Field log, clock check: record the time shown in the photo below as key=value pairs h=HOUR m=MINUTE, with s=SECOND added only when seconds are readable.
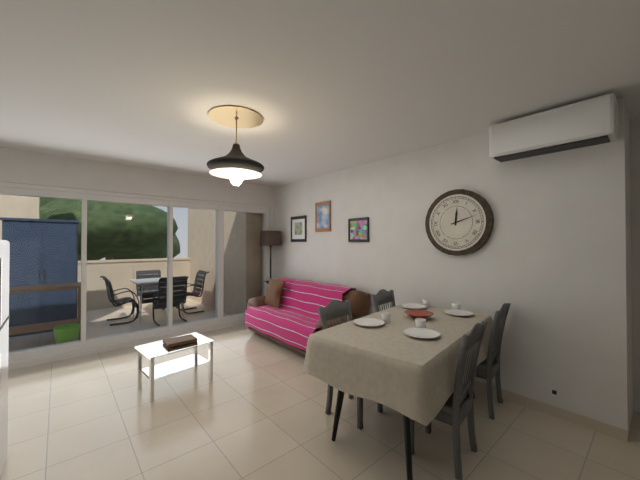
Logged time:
h=12 m=12
